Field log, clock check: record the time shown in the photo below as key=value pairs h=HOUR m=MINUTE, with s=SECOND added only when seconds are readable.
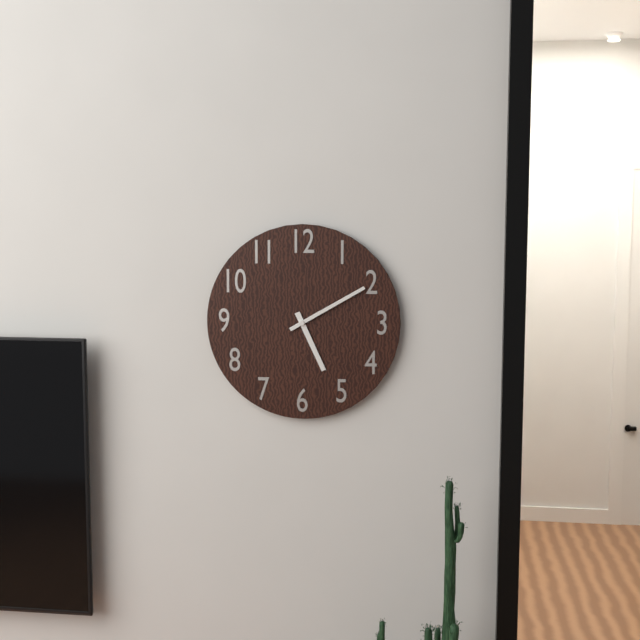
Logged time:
h=5 m=10
